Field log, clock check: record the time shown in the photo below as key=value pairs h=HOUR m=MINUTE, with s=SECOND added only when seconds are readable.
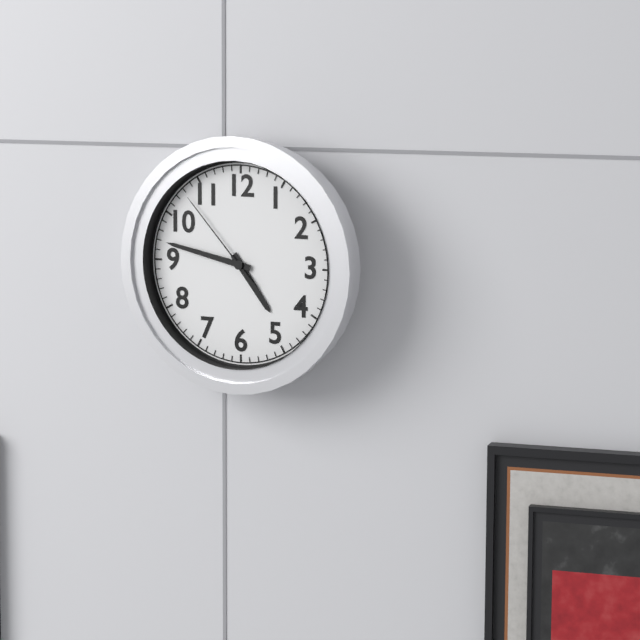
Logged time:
h=4 m=47 s=53
